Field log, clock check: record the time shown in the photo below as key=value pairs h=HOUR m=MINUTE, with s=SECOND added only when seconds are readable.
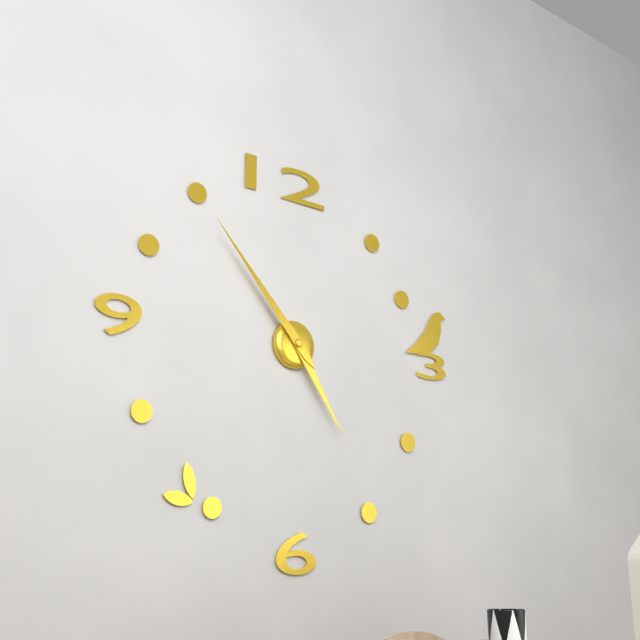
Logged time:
h=4 m=53
